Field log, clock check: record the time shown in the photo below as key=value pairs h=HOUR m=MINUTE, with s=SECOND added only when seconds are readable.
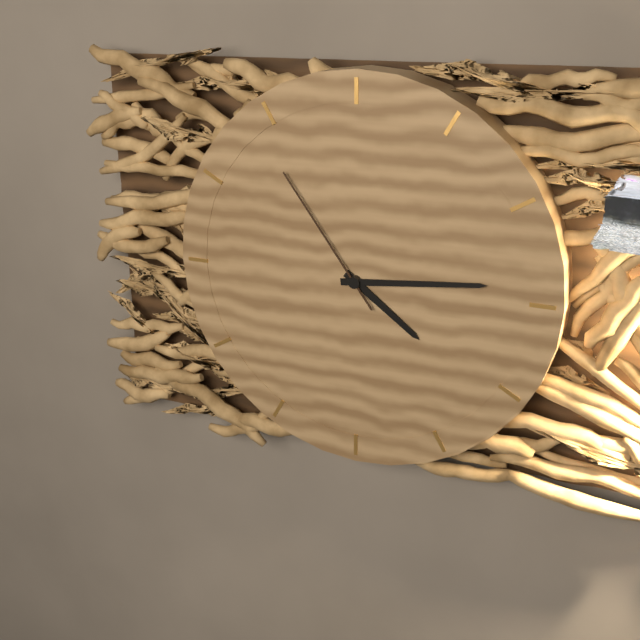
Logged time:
h=4 m=14 s=54
